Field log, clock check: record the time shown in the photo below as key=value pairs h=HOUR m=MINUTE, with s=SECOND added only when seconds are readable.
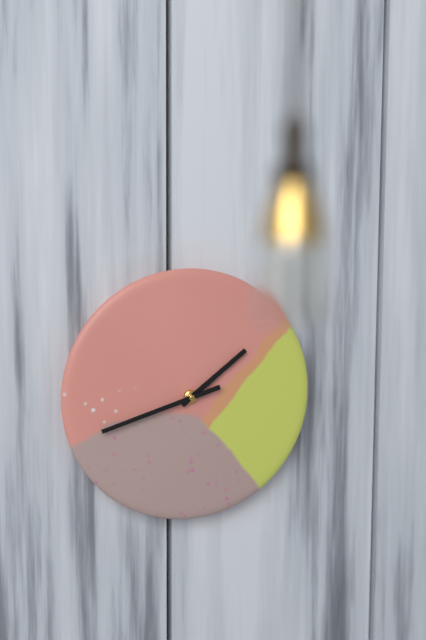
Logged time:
h=1 m=42
